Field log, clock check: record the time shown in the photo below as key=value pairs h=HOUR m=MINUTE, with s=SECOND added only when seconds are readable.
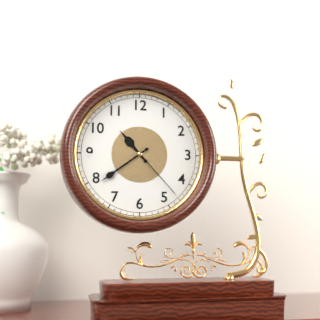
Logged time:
h=10 m=39 s=23
